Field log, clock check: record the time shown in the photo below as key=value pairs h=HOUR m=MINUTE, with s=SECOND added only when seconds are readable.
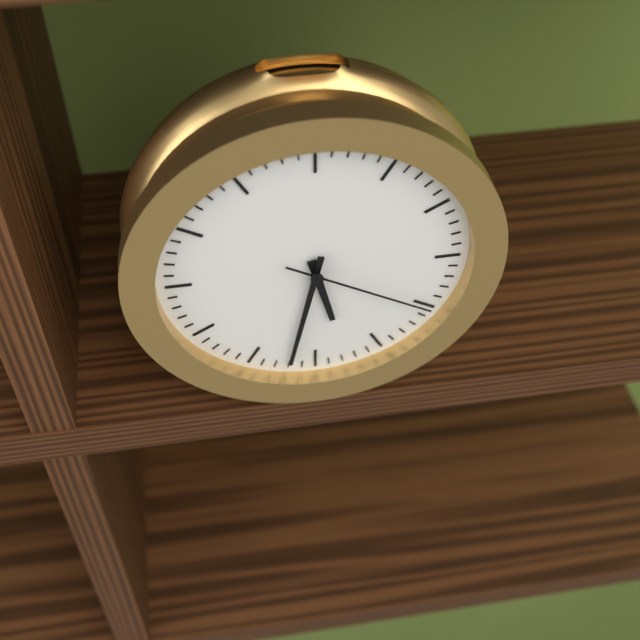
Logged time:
h=5 m=32 s=20
